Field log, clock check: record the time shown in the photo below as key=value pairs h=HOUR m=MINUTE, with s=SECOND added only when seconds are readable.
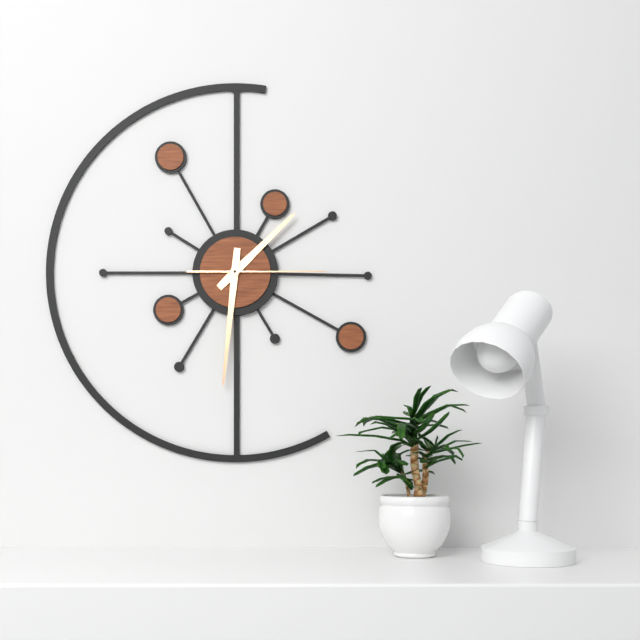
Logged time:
h=1 m=31 s=15
